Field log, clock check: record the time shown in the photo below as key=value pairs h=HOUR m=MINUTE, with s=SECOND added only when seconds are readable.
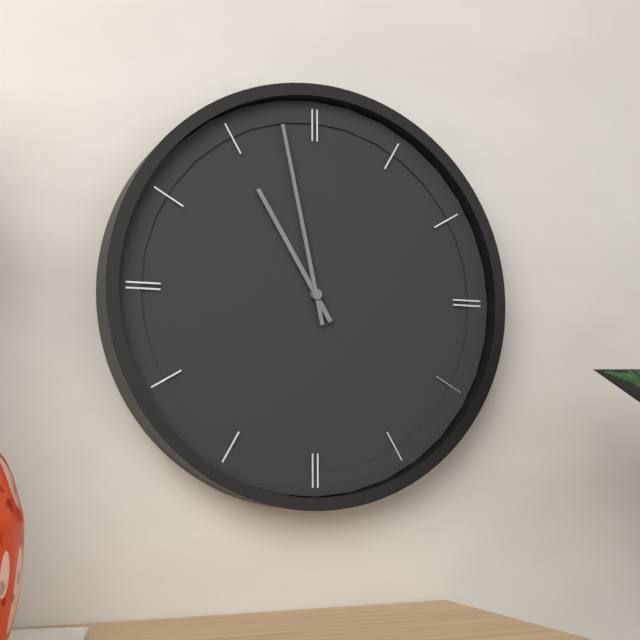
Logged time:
h=10 m=58
